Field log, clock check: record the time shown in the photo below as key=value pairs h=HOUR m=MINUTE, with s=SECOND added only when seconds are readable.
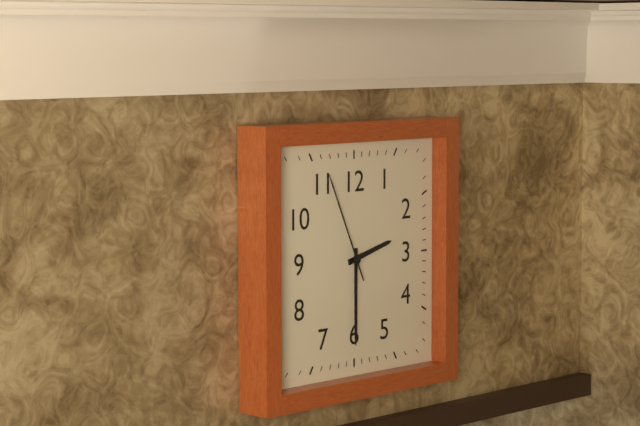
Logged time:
h=2 m=30 s=56
